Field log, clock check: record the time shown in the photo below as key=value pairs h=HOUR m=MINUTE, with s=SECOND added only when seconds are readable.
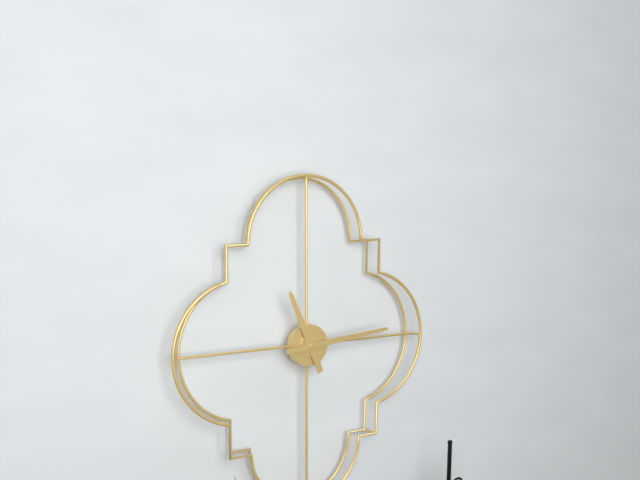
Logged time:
h=11 m=14
